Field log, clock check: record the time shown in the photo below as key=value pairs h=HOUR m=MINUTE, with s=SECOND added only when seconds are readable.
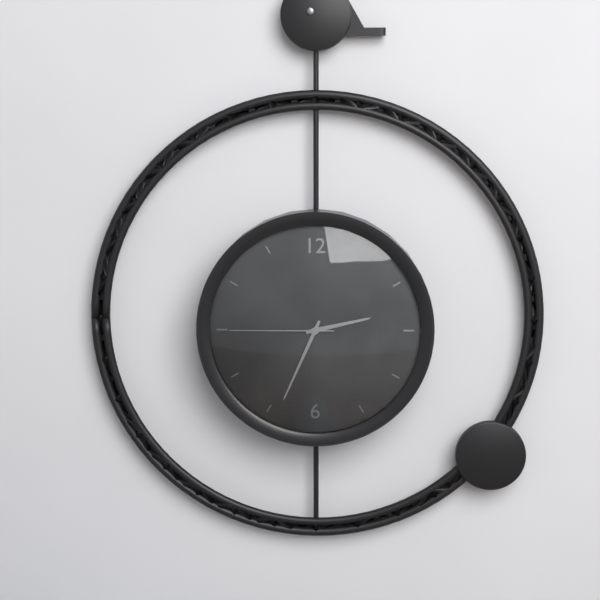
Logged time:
h=2 m=34 s=45
